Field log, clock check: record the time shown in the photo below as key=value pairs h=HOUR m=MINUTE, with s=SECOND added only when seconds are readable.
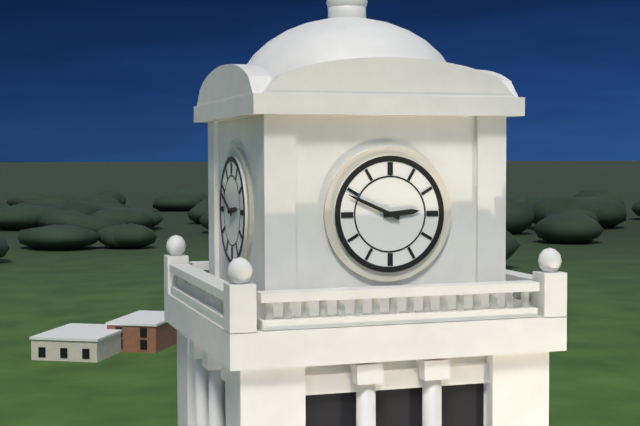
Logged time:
h=2 m=49
